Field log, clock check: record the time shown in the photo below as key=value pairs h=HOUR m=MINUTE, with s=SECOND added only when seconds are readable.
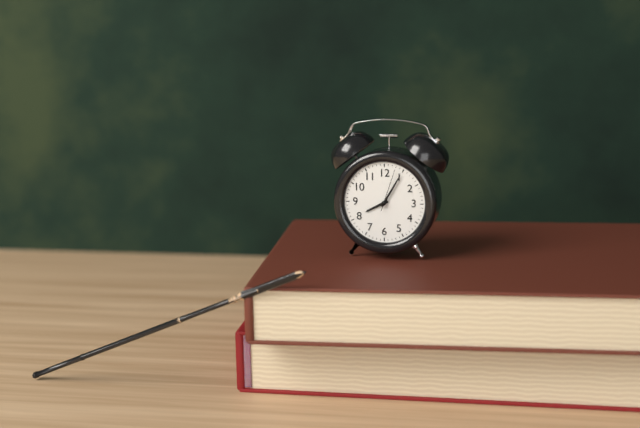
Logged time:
h=8 m=5
